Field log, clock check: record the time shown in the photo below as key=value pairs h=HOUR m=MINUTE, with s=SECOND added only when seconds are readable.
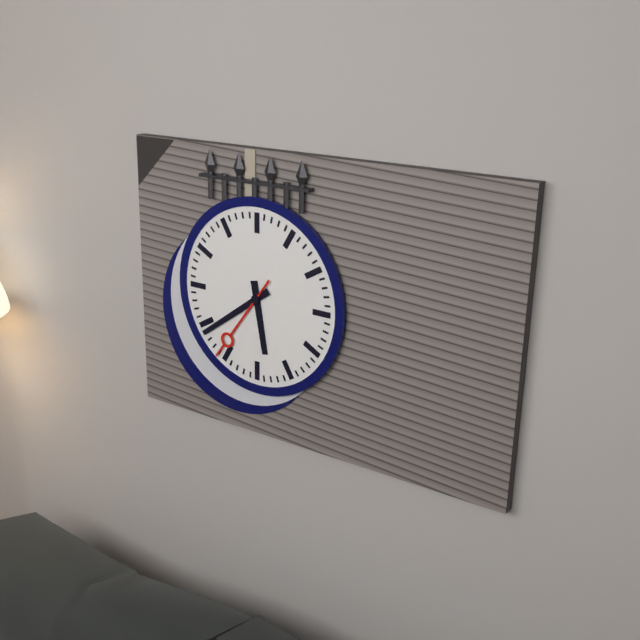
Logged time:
h=5 m=39 s=36
